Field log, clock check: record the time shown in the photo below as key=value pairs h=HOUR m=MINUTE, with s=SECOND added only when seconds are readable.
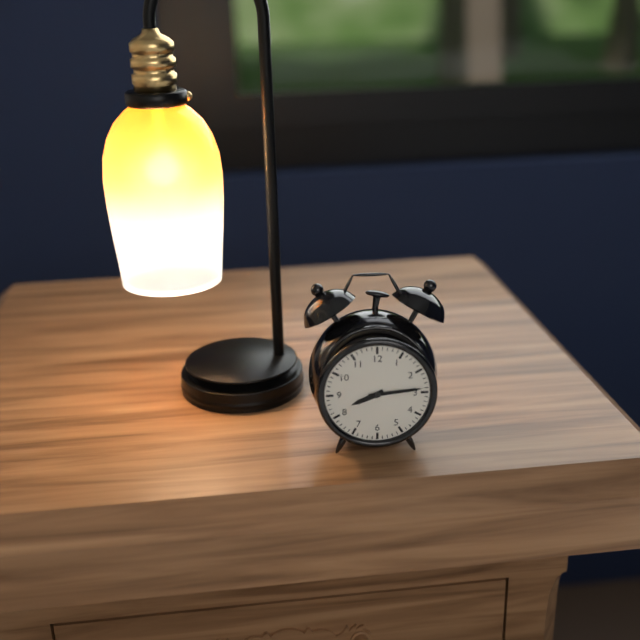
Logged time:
h=8 m=14
